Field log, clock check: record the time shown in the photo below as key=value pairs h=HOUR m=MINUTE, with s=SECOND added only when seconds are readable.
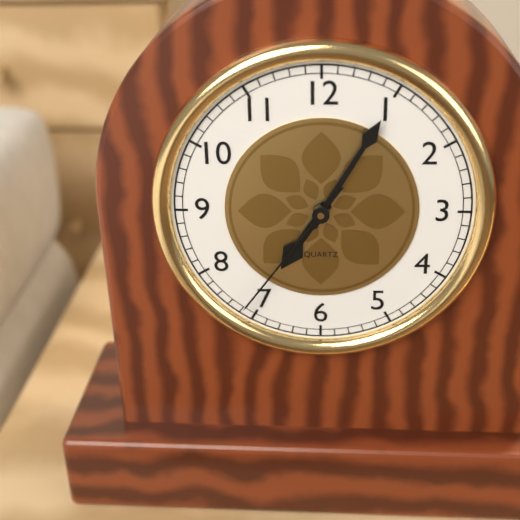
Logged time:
h=7 m=5 s=36
